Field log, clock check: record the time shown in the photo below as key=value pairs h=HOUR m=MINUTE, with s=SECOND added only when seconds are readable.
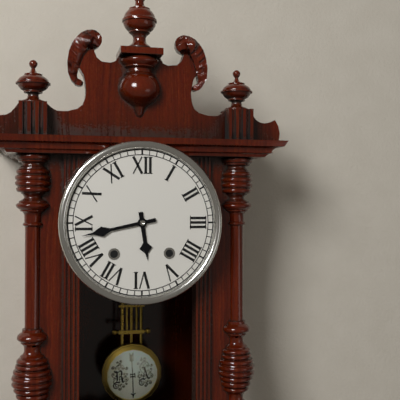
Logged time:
h=5 m=43
